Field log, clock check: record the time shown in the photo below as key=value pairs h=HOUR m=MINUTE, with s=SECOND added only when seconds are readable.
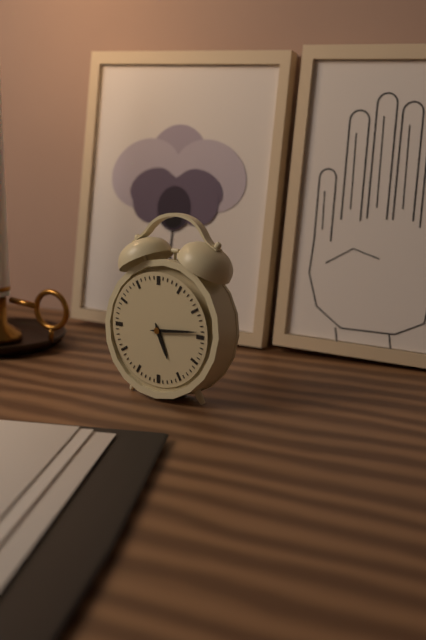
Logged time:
h=5 m=14
